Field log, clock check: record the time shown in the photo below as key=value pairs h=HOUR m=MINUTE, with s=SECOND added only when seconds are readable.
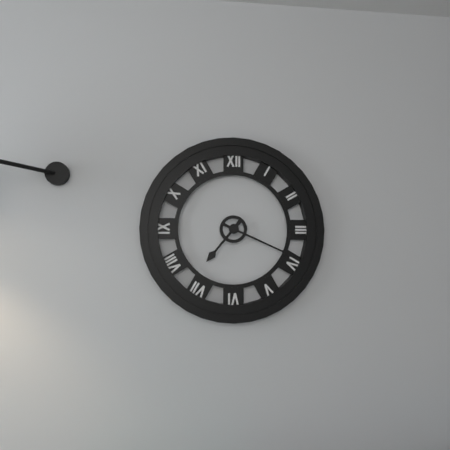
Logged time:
h=7 m=19
